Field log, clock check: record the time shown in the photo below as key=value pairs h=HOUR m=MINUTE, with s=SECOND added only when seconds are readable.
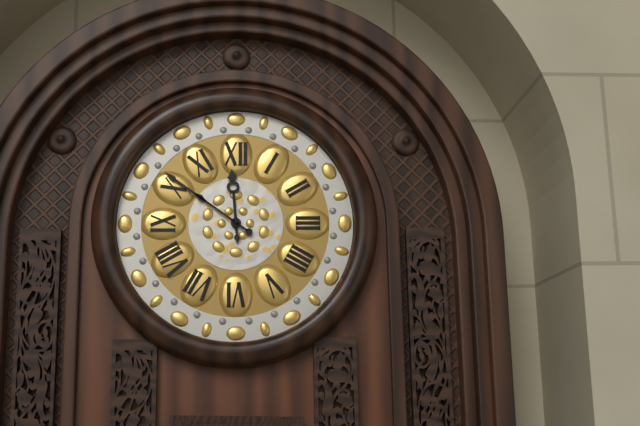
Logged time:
h=11 m=51
